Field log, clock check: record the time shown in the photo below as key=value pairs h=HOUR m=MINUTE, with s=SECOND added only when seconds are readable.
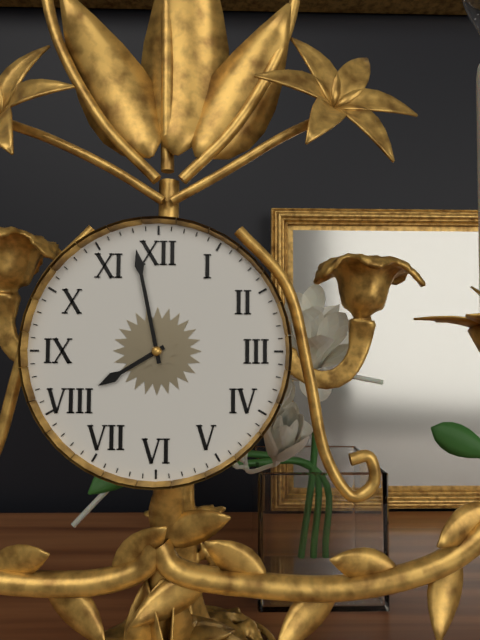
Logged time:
h=7 m=58
